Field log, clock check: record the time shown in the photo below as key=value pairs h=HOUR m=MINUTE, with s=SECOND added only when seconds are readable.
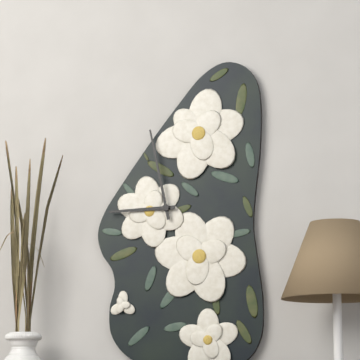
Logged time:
h=8 m=58
